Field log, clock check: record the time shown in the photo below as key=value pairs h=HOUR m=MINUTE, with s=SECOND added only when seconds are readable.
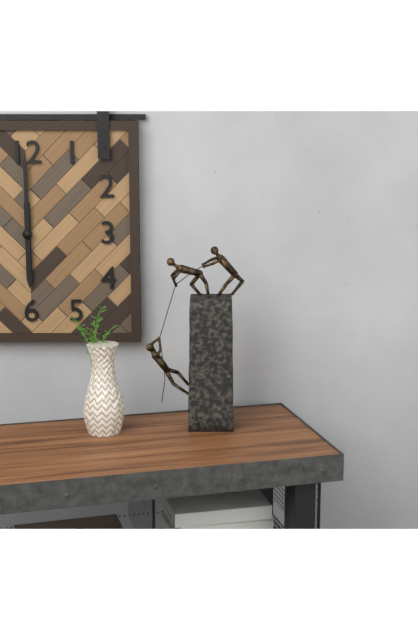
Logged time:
h=6 m=0
